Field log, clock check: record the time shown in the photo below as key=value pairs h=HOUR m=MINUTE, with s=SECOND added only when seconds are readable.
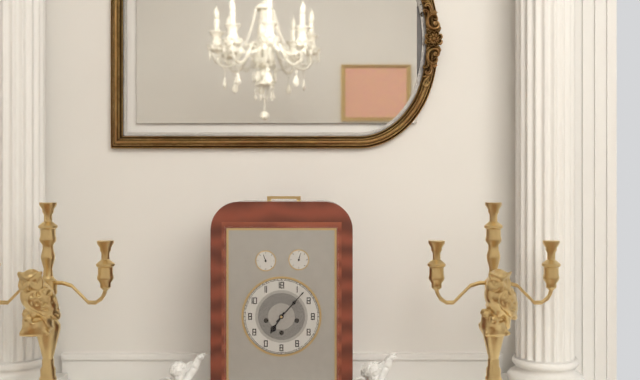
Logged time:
h=7 m=7
